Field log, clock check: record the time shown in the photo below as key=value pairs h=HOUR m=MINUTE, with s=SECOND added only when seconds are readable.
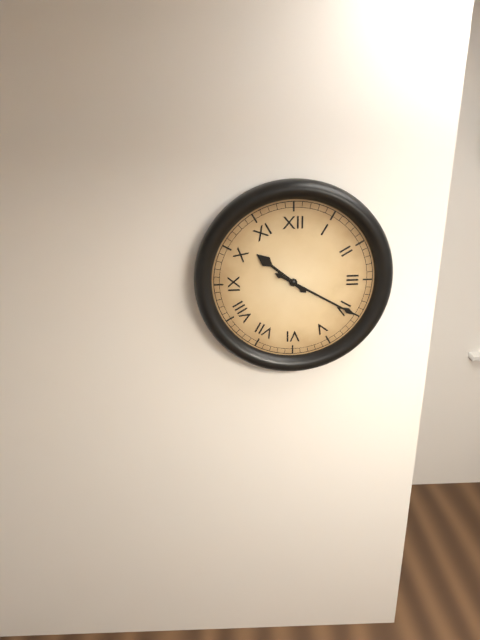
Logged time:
h=10 m=20
